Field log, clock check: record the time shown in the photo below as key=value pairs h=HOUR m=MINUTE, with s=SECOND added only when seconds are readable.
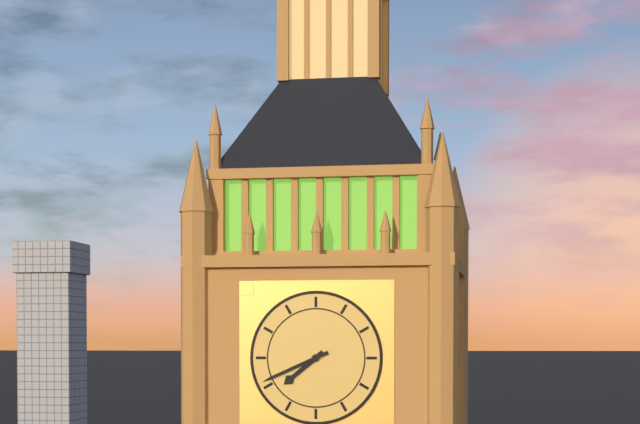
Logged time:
h=7 m=41
